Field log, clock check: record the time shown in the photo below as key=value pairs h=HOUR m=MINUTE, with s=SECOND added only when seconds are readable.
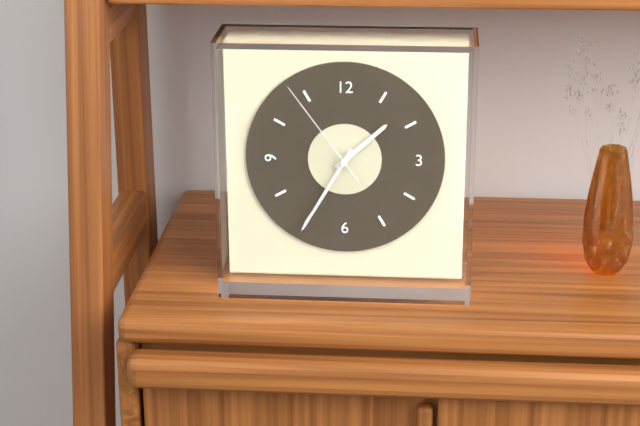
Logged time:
h=1 m=35 s=54
